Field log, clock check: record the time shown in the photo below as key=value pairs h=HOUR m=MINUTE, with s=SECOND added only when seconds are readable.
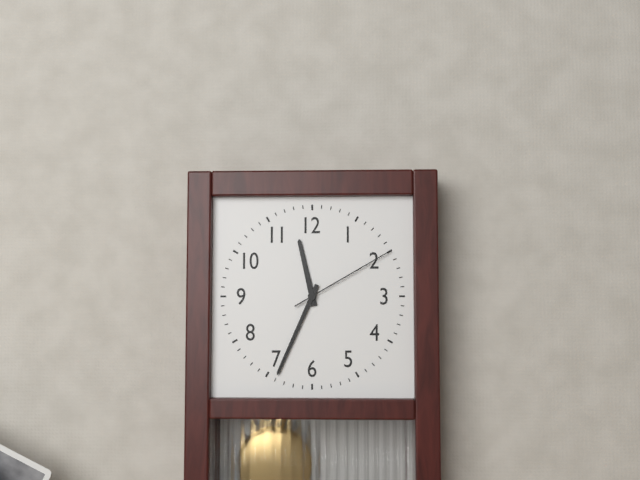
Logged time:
h=11 m=34 s=10
